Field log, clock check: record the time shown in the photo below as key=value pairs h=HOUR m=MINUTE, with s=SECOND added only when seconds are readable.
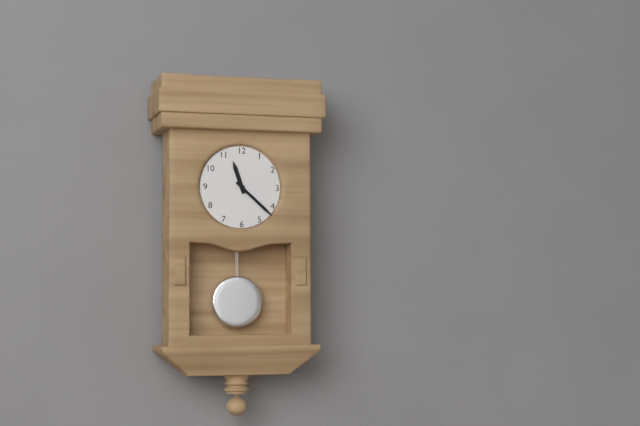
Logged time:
h=11 m=22
